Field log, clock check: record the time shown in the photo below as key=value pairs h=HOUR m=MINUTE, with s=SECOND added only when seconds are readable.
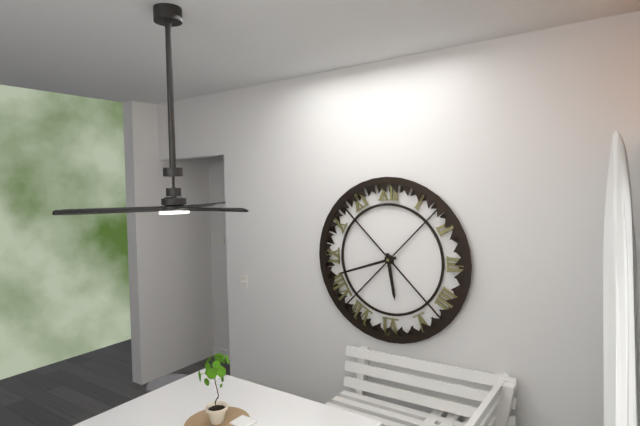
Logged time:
h=5 m=42
